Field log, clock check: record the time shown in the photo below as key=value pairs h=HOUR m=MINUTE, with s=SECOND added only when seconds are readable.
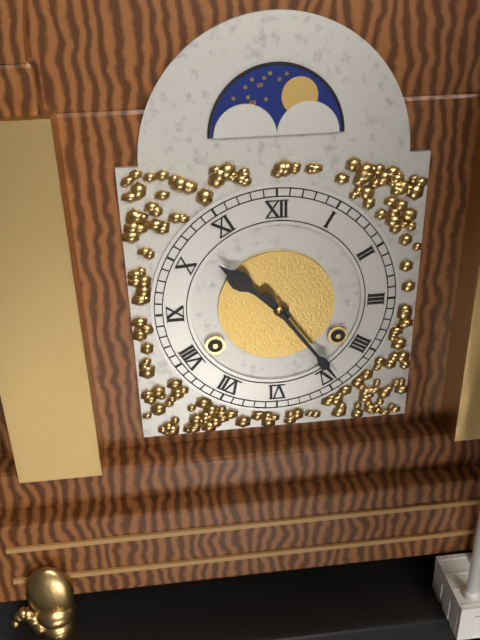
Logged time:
h=10 m=24
